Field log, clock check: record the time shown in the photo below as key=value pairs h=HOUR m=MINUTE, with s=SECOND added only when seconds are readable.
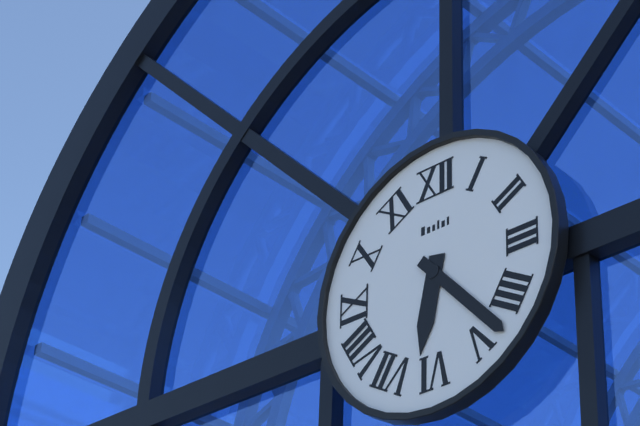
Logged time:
h=6 m=23
